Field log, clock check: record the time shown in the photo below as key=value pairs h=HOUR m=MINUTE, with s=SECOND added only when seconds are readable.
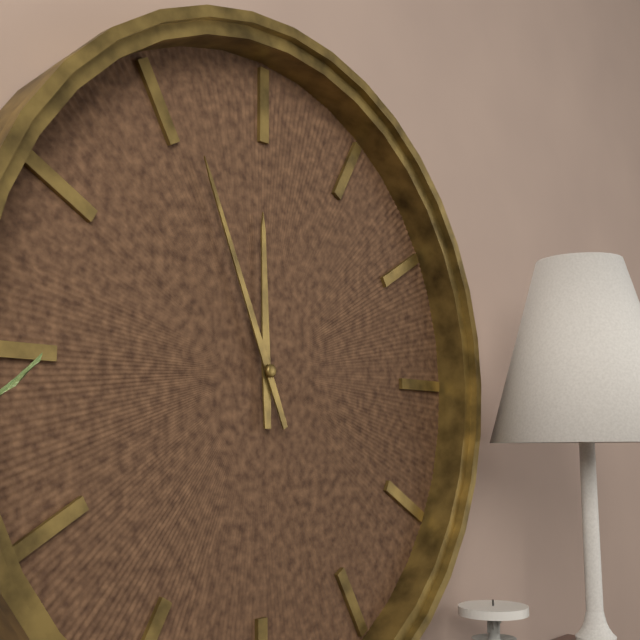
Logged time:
h=11 m=56
